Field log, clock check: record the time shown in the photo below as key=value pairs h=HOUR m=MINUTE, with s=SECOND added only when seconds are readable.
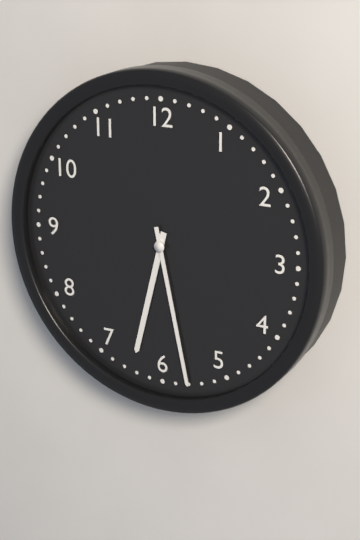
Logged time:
h=6 m=28
